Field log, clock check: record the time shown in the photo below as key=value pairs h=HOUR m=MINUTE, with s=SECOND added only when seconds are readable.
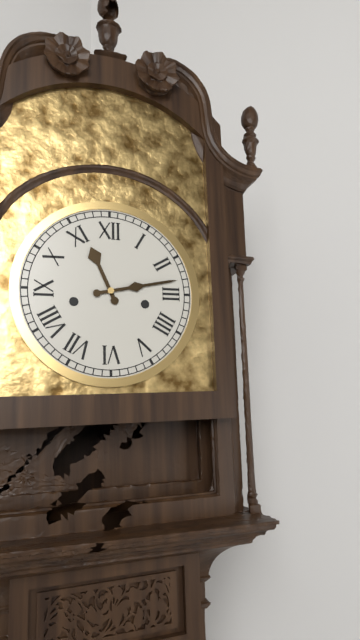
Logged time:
h=11 m=13
